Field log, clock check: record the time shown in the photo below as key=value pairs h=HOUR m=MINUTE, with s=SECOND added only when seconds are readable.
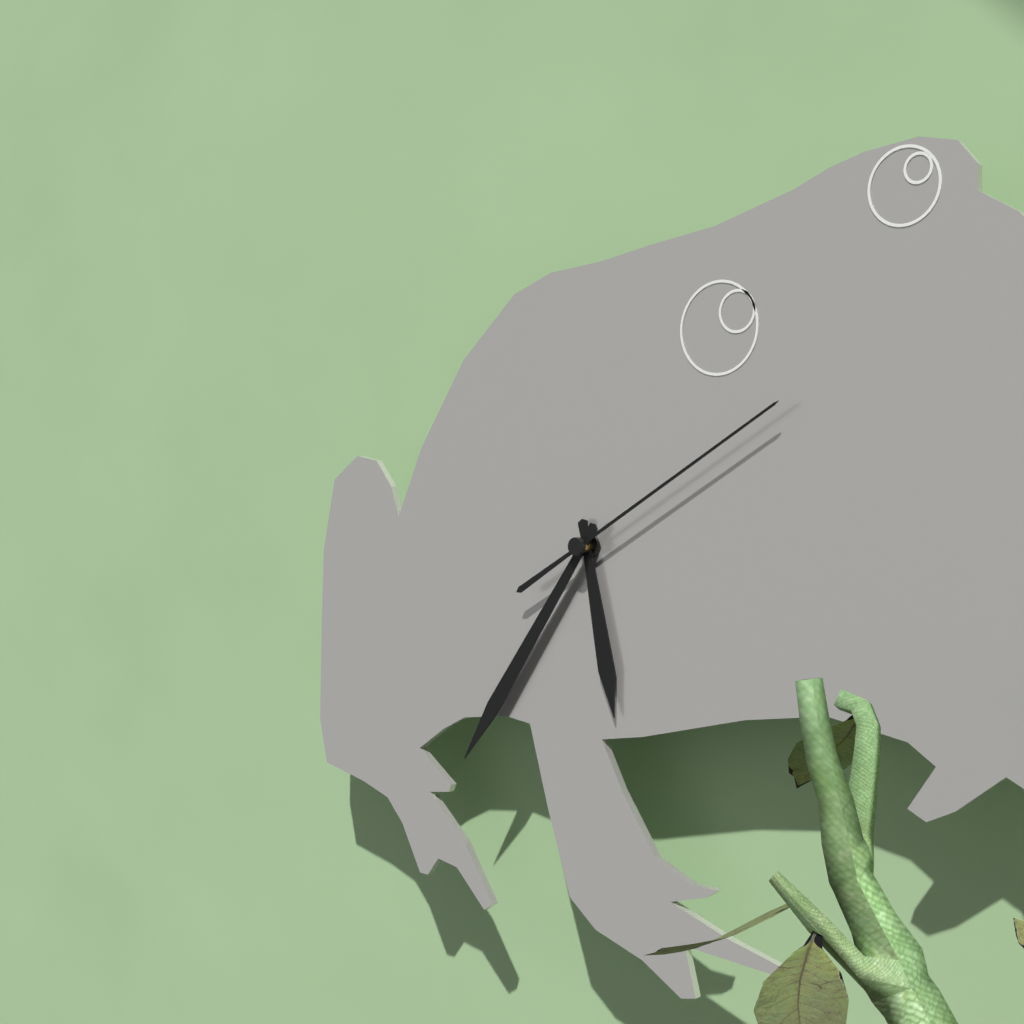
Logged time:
h=5 m=36 s=10
